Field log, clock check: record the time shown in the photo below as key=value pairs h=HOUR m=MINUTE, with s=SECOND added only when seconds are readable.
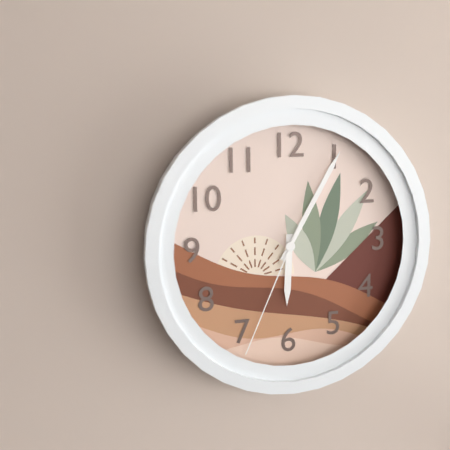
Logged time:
h=6 m=5 s=34
